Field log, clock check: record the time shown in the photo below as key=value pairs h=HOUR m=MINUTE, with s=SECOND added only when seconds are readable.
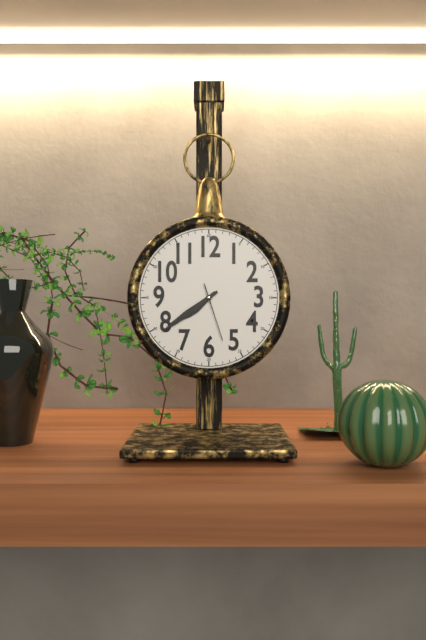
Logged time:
h=7 m=39 s=27
